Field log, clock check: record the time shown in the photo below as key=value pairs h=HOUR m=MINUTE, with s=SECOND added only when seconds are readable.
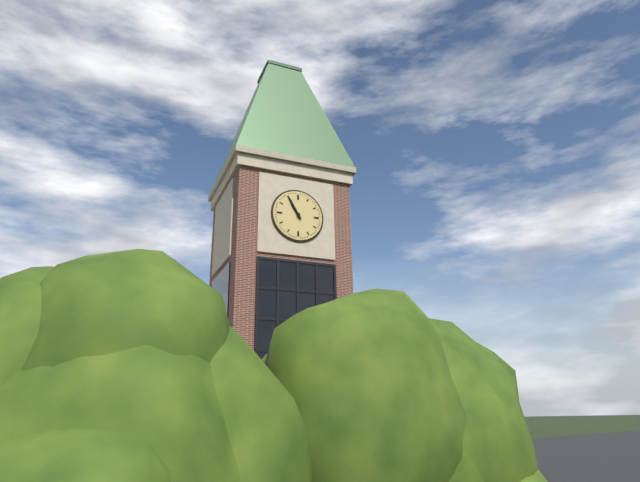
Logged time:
h=10 m=55
